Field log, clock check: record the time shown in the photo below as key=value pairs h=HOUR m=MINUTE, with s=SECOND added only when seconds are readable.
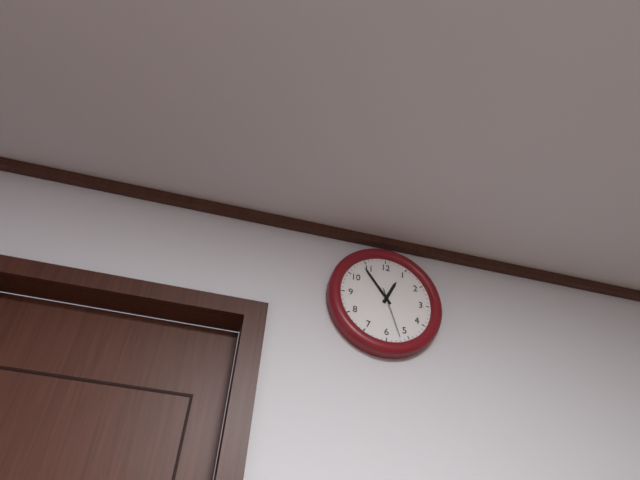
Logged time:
h=12 m=54 s=27
